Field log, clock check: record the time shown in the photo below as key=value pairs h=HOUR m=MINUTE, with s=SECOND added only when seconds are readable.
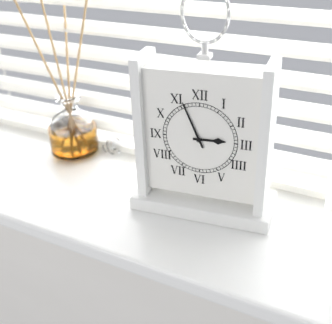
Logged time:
h=2 m=56
